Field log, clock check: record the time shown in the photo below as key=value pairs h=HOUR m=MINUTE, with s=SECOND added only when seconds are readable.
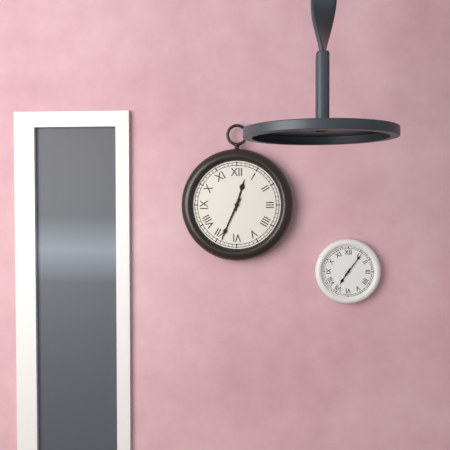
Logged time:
h=12 m=34
